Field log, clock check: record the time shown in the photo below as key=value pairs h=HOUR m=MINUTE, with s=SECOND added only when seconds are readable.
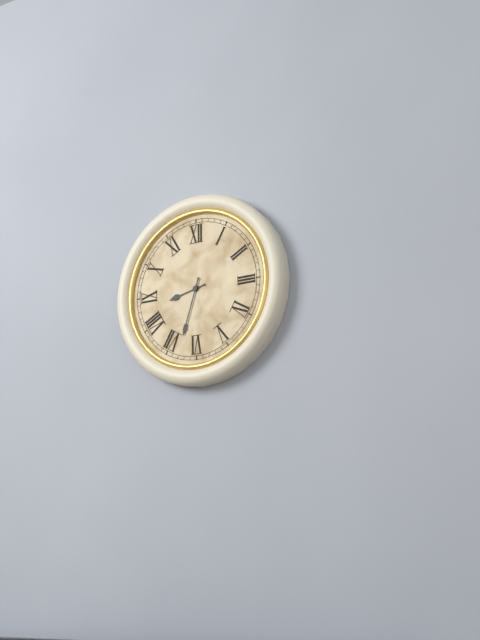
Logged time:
h=8 m=33
